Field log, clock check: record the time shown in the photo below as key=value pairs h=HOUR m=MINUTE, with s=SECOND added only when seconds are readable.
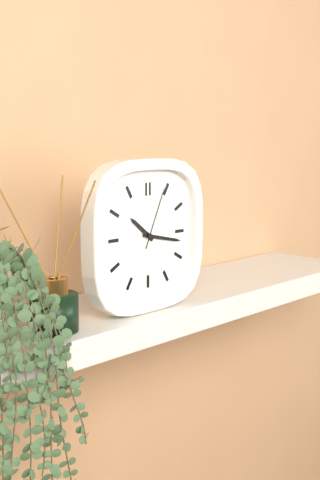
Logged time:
h=10 m=17 s=4
